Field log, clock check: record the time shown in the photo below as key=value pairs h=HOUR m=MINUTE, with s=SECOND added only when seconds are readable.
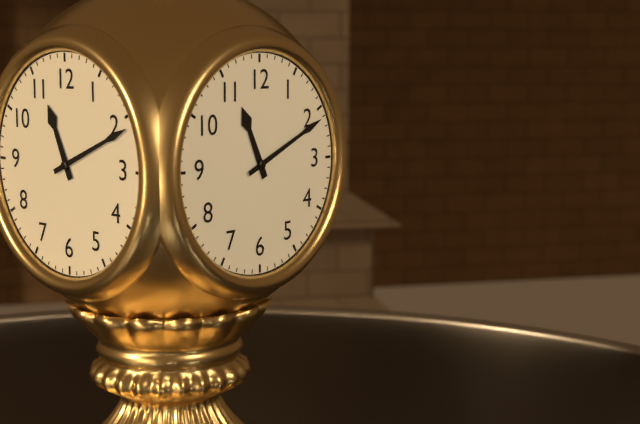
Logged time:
h=11 m=11
